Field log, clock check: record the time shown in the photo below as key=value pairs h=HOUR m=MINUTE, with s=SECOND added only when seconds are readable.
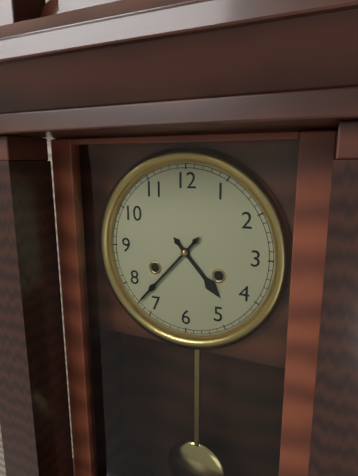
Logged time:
h=4 m=37
